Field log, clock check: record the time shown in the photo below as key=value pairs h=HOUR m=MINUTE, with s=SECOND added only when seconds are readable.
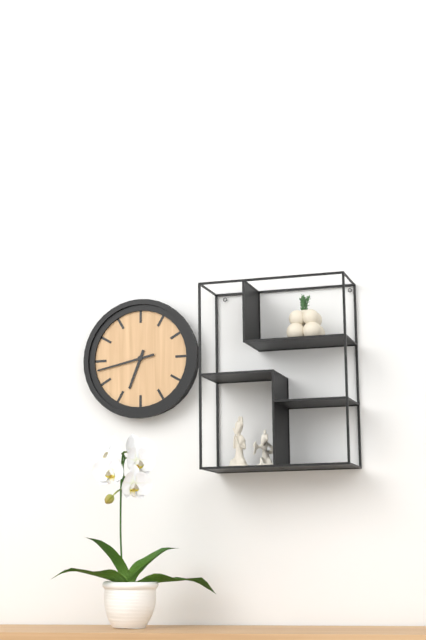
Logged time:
h=6 m=43
